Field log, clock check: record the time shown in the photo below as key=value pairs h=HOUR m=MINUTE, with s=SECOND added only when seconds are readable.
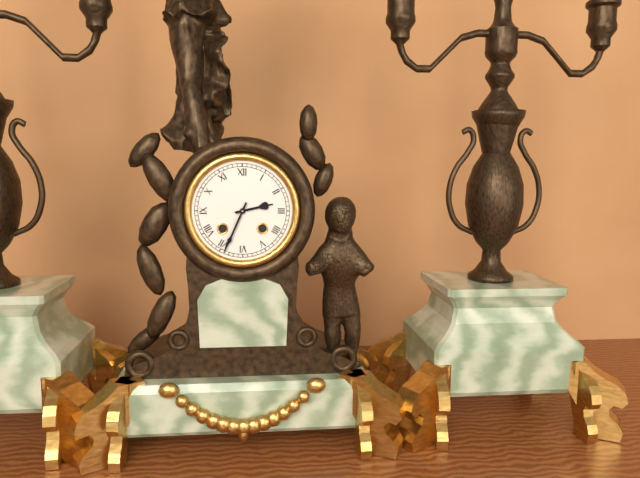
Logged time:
h=2 m=34
